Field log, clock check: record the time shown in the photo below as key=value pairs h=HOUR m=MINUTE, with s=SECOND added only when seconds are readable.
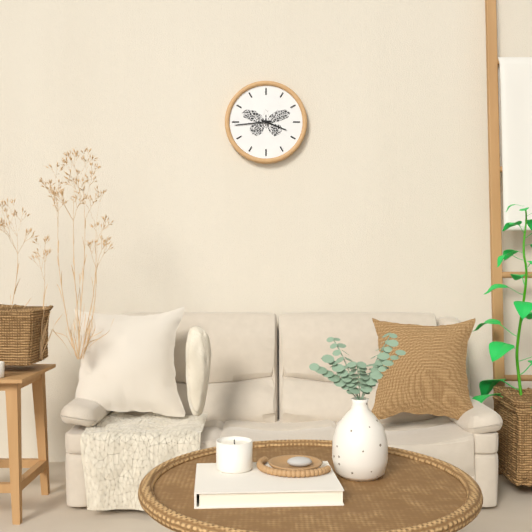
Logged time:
h=3 m=44
